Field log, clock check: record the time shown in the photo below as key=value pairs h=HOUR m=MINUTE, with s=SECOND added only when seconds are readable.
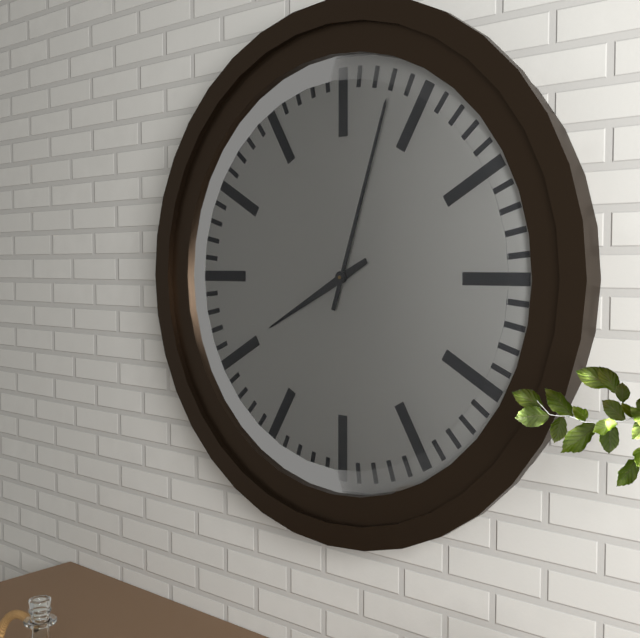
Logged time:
h=8 m=3
